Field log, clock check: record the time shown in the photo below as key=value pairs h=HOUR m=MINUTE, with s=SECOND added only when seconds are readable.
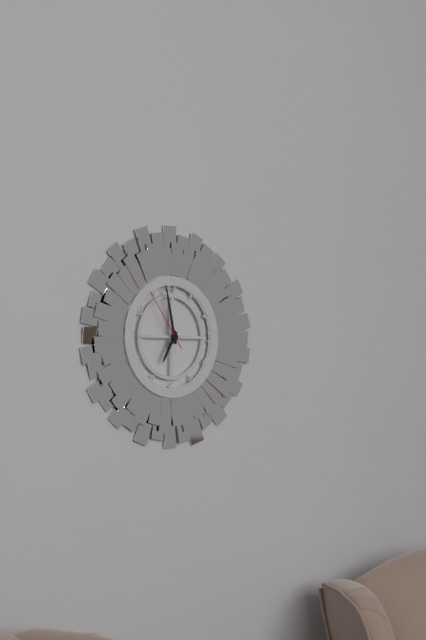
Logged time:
h=6 m=58 s=54
